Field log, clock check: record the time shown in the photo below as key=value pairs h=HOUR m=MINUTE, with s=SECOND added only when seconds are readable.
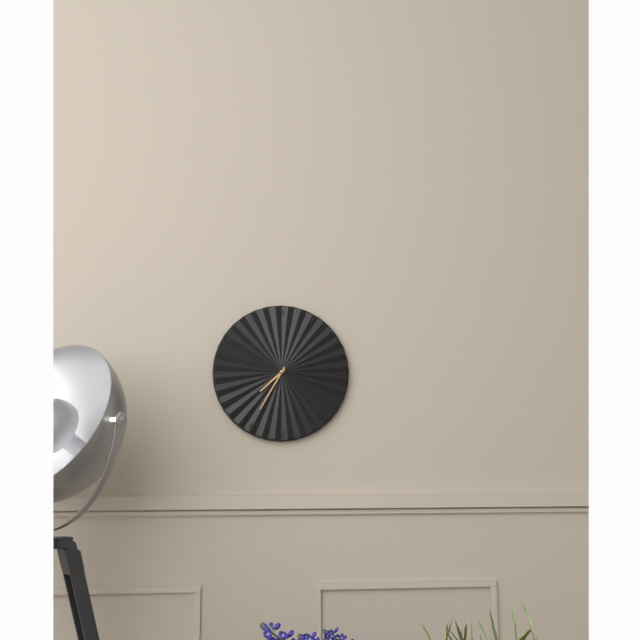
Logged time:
h=7 m=35
